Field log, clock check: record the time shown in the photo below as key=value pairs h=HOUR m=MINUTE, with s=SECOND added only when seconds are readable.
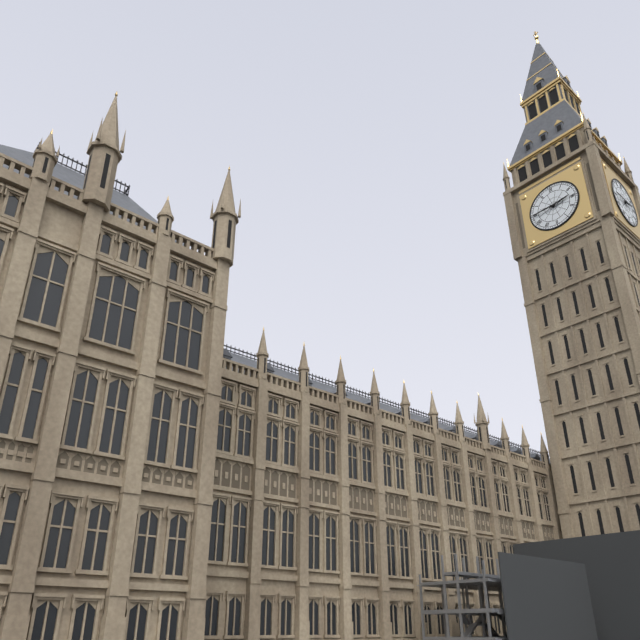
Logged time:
h=2 m=45
